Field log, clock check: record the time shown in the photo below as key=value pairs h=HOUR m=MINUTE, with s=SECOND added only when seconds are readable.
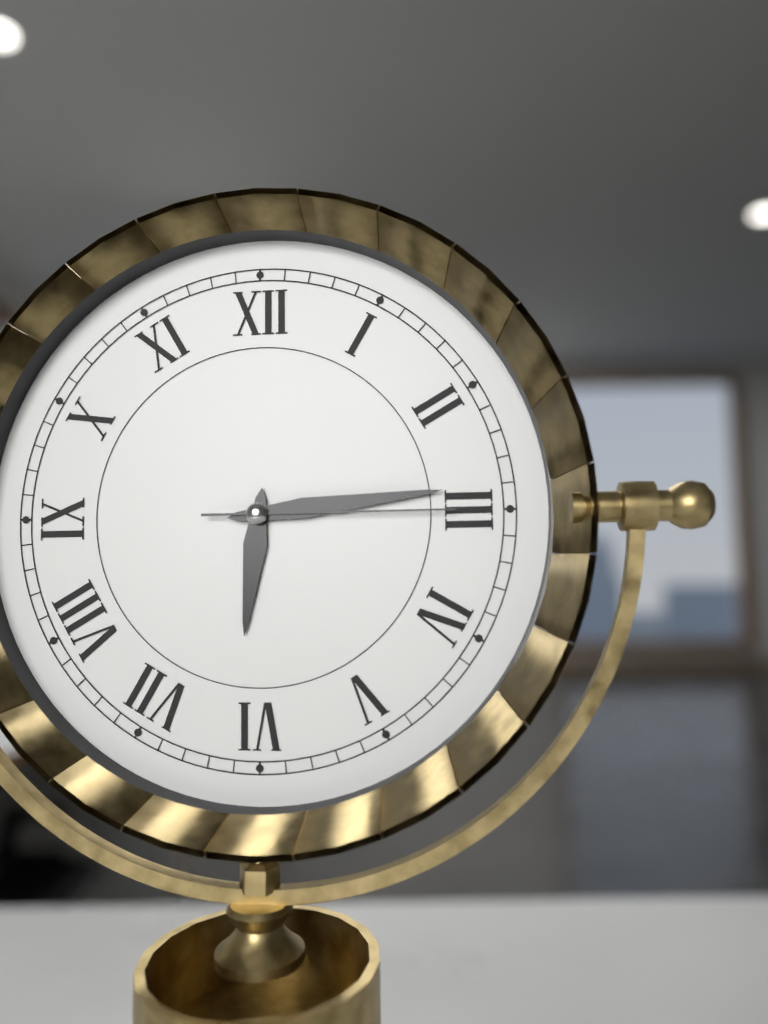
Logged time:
h=6 m=14 s=15
